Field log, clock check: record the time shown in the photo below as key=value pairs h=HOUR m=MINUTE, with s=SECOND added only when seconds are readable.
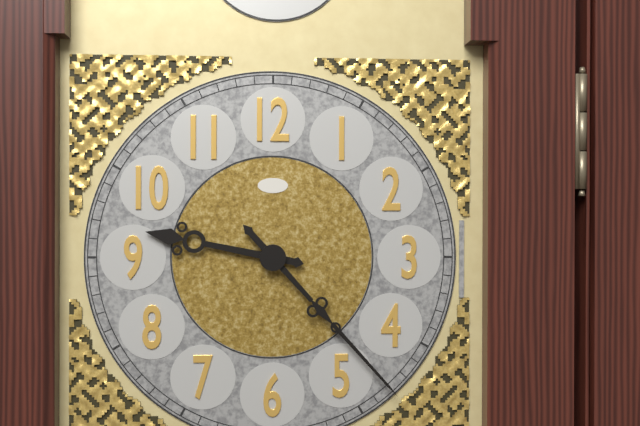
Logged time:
h=9 m=23
